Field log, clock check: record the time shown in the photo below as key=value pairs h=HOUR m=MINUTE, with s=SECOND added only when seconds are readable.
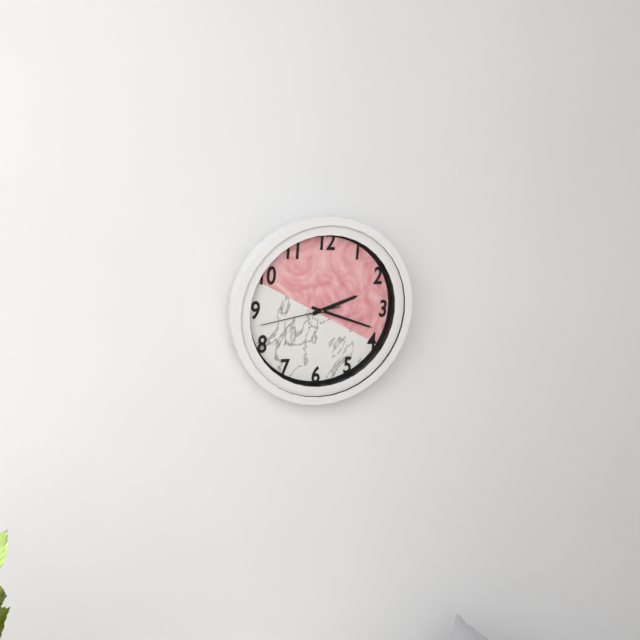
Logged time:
h=2 m=18 s=43
